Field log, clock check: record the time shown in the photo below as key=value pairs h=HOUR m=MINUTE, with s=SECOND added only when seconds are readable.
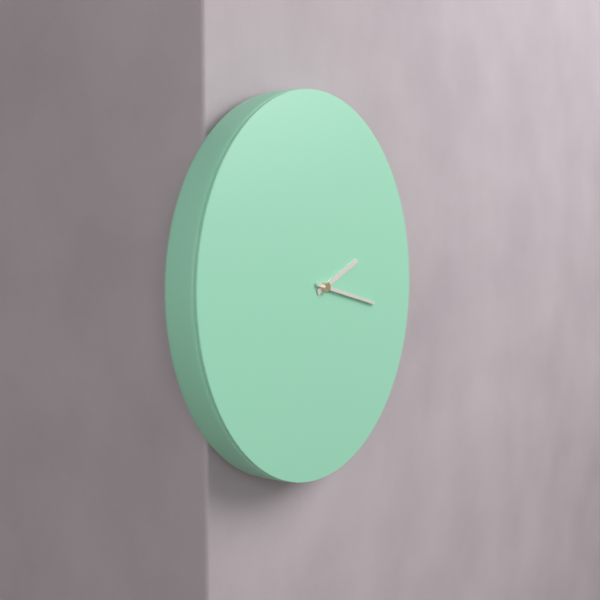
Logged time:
h=2 m=17
